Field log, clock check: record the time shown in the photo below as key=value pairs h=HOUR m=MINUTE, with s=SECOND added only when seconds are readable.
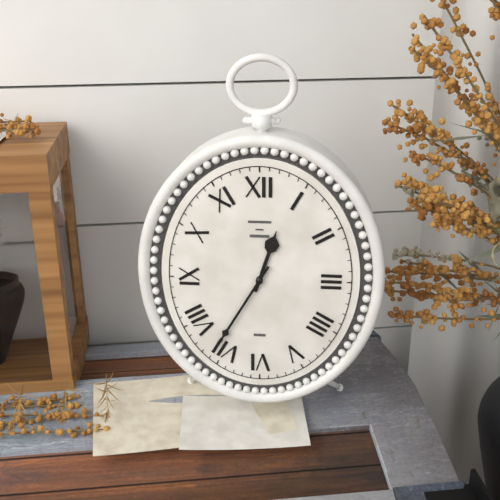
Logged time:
h=12 m=35
